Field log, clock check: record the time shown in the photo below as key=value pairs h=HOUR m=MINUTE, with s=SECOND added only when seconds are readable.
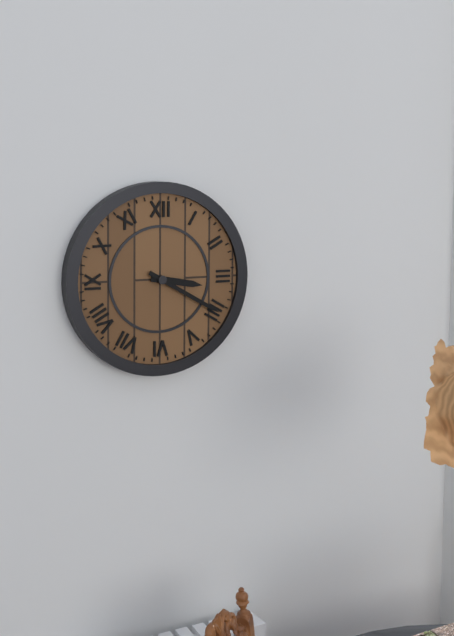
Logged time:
h=3 m=20
